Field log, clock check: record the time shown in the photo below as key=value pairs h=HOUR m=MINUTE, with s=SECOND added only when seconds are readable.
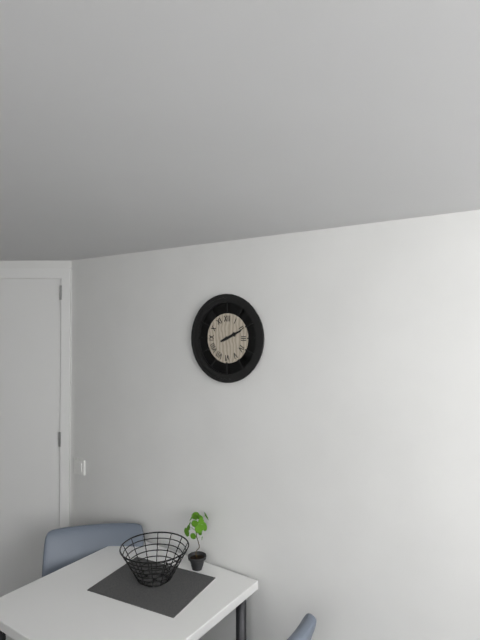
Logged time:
h=2 m=11
